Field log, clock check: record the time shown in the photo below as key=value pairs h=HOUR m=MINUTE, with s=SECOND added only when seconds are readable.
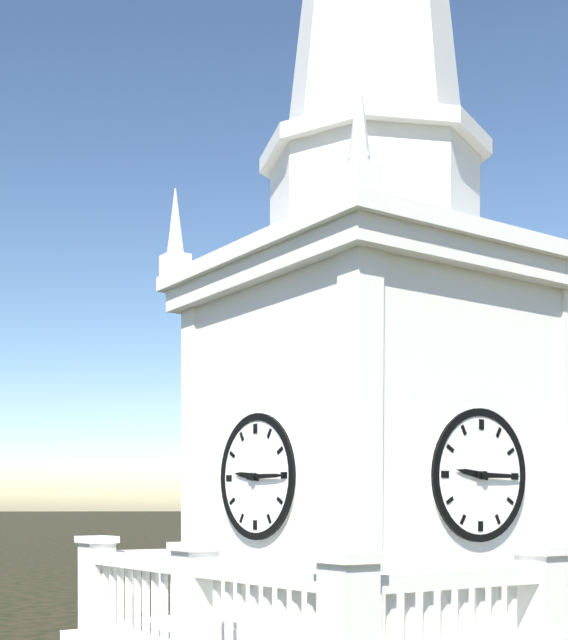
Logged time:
h=9 m=15
